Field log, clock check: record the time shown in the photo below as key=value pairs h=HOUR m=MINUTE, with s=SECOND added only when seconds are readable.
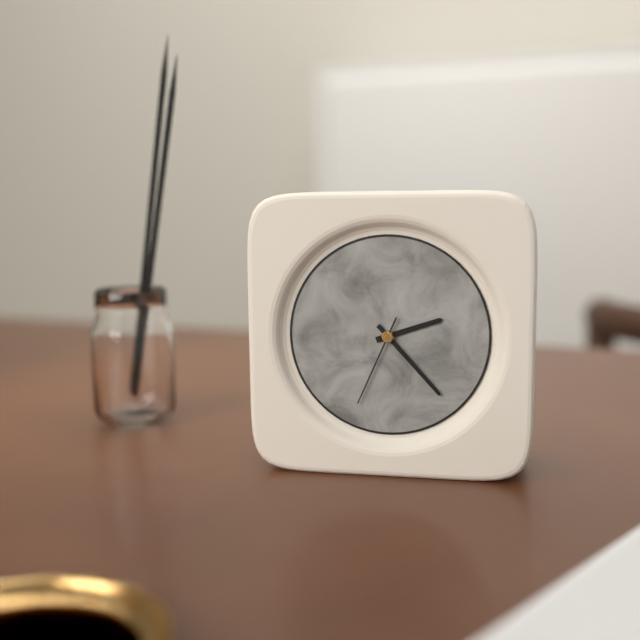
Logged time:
h=2 m=23 s=34
